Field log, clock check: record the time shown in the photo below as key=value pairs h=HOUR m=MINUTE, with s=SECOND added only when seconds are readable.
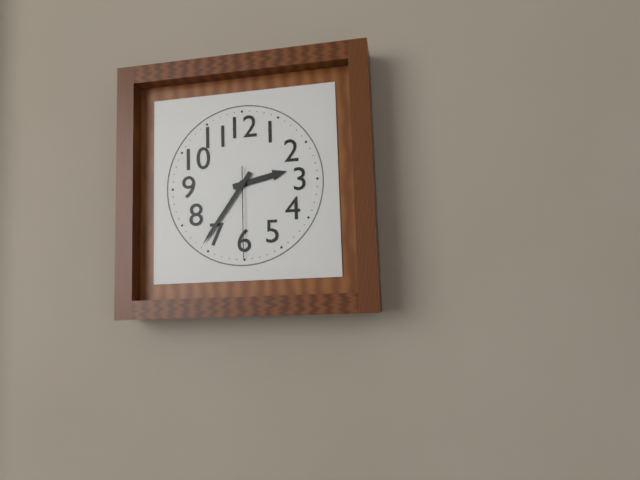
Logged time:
h=2 m=36 s=30
